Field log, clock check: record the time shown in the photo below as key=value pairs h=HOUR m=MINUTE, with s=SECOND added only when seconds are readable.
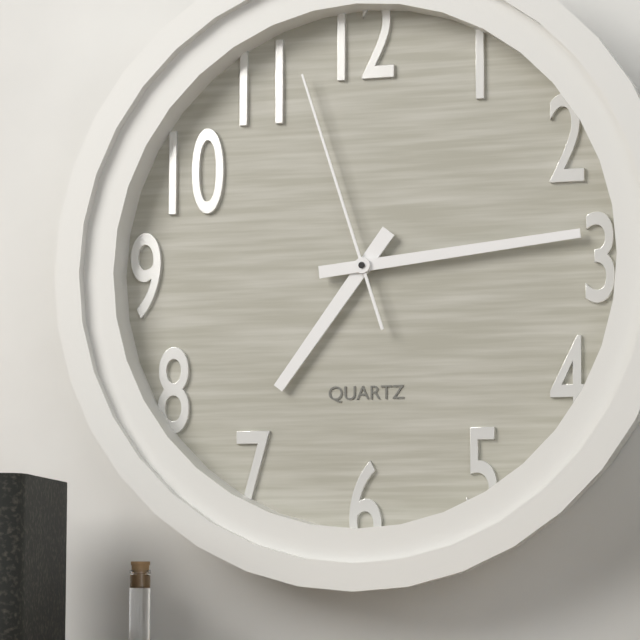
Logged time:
h=7 m=14 s=57
